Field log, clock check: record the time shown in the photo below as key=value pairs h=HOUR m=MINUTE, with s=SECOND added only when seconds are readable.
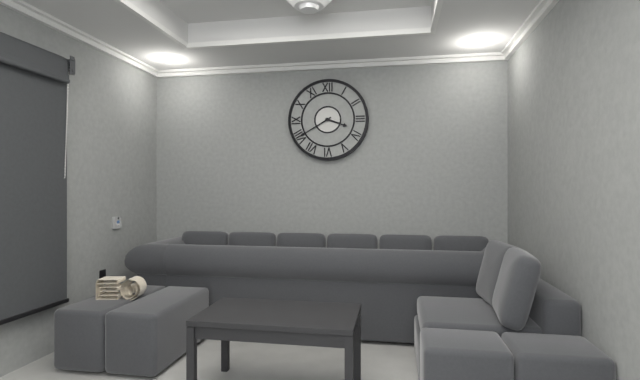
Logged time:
h=3 m=40
